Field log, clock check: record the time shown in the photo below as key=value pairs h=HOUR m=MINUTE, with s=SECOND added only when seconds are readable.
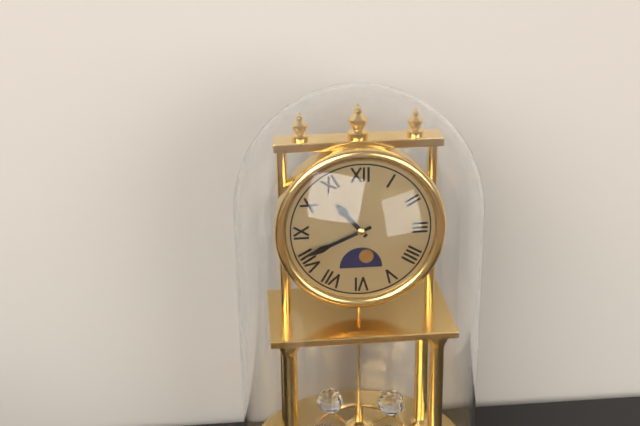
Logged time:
h=10 m=41
